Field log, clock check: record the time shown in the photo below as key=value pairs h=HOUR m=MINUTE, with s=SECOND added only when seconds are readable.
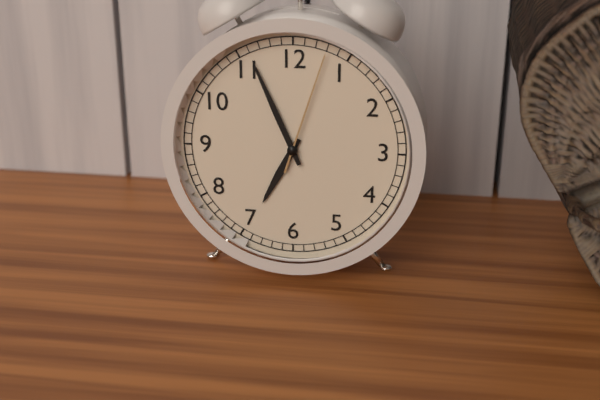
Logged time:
h=6 m=56 s=3
